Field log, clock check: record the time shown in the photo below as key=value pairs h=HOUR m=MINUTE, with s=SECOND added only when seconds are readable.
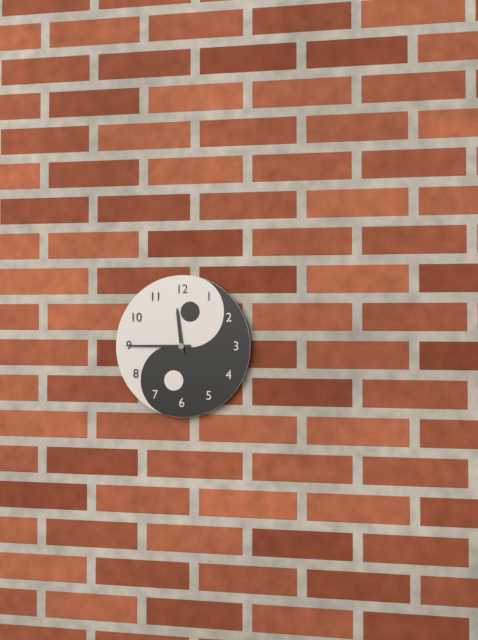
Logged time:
h=11 m=45
